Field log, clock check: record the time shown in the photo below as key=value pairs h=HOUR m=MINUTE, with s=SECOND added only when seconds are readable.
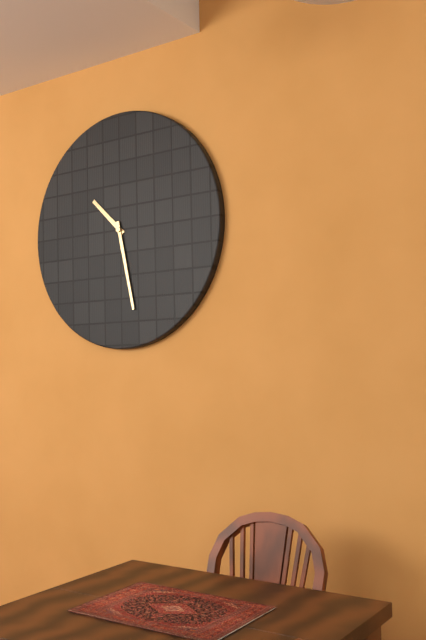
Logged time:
h=10 m=28
